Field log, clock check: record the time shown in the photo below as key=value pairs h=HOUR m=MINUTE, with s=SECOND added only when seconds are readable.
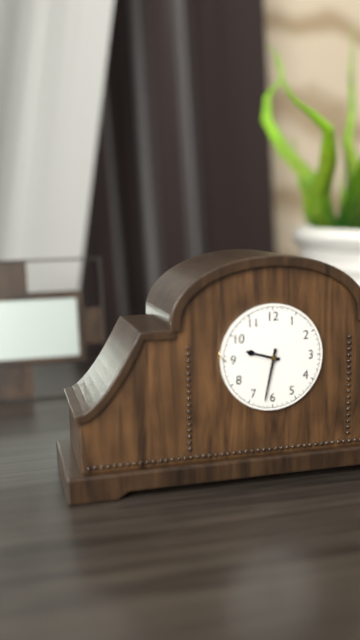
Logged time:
h=9 m=32
